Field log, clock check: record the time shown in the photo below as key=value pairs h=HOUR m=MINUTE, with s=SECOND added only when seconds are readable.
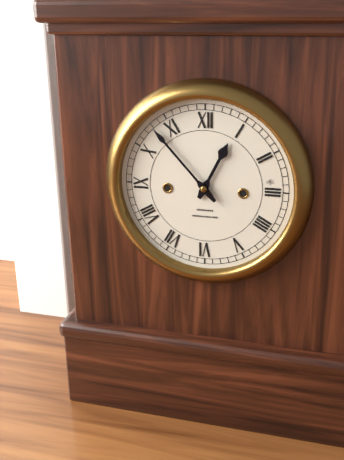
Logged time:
h=12 m=53
